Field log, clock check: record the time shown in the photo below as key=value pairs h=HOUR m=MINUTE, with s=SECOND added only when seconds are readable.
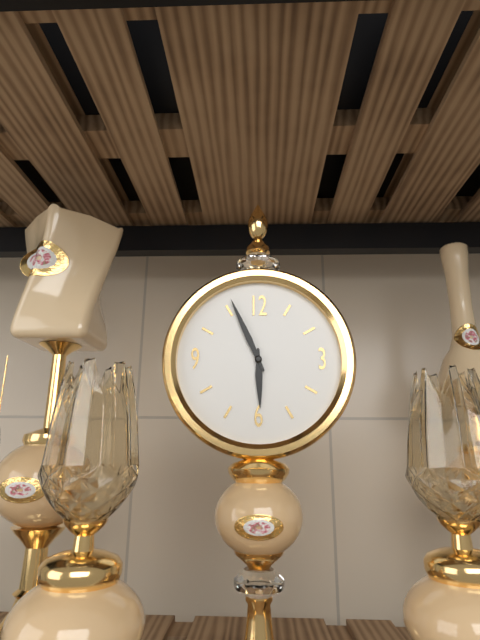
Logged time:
h=5 m=56
